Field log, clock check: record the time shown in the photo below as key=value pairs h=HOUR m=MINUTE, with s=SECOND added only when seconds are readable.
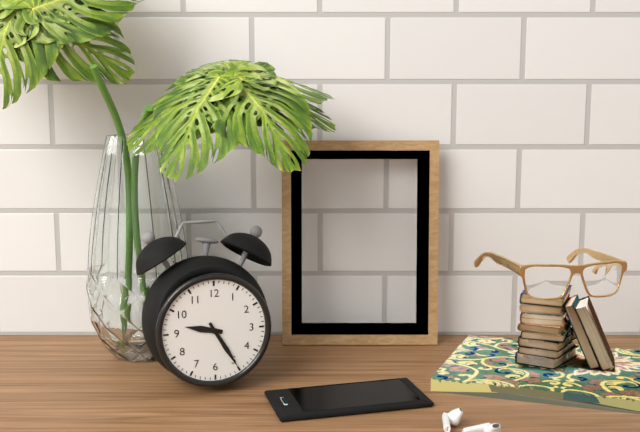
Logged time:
h=9 m=25
